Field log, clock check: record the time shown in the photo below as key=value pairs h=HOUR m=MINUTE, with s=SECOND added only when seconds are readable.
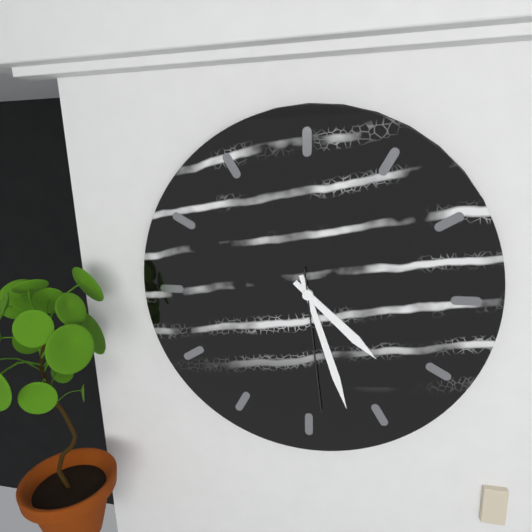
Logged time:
h=4 m=27 s=29
